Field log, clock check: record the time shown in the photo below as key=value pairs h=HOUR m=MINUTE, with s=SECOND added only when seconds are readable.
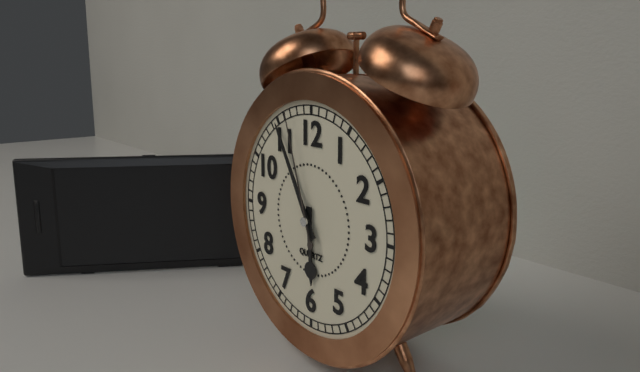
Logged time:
h=5 m=55 s=57
